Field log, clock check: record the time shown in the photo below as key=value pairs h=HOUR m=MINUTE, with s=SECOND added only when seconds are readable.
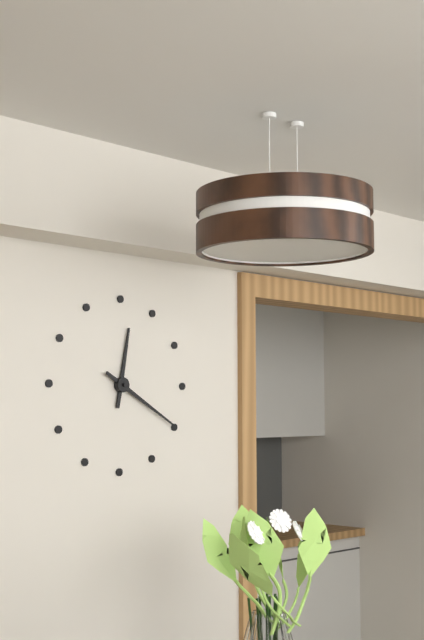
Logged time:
h=12 m=20
